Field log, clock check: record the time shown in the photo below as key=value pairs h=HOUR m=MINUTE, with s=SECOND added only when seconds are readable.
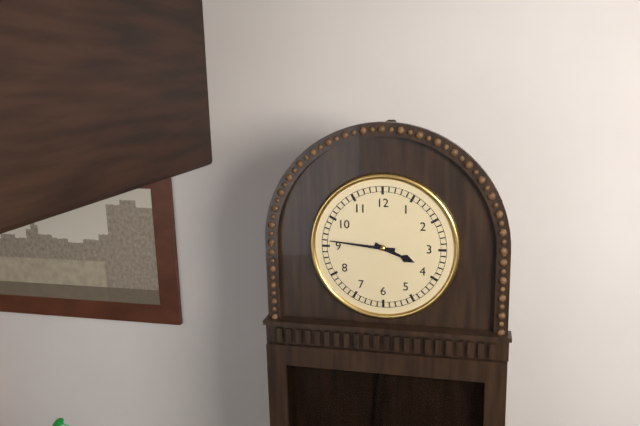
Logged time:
h=3 m=46
